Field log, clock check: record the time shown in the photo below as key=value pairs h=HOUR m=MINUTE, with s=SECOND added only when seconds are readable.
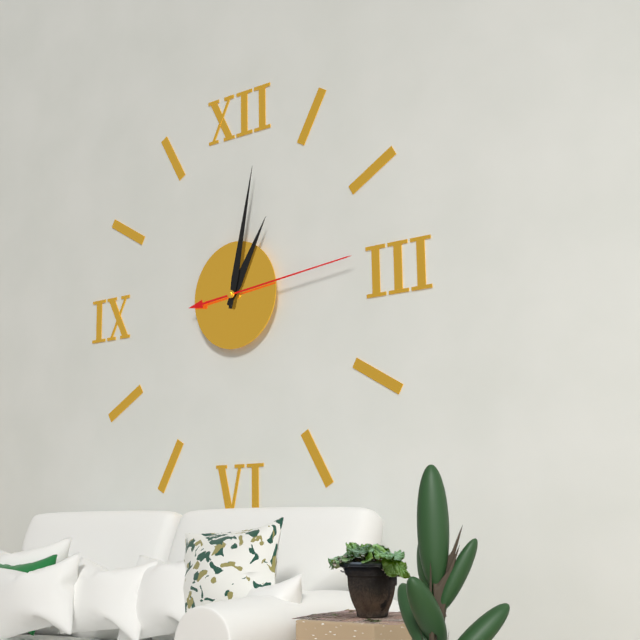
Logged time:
h=1 m=2 s=14
